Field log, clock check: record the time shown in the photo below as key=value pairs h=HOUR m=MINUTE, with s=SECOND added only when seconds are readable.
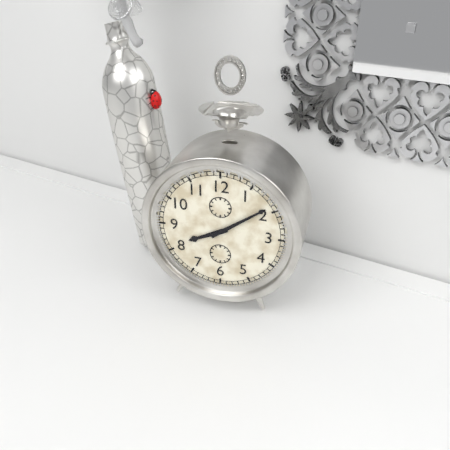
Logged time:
h=8 m=9
